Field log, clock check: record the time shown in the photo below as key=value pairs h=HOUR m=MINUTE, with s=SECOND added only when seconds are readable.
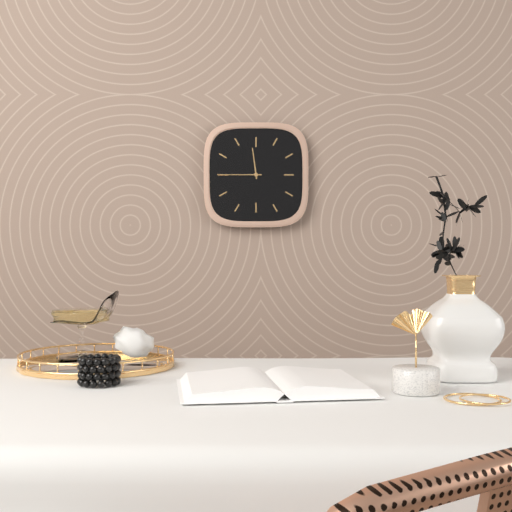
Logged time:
h=11 m=45
